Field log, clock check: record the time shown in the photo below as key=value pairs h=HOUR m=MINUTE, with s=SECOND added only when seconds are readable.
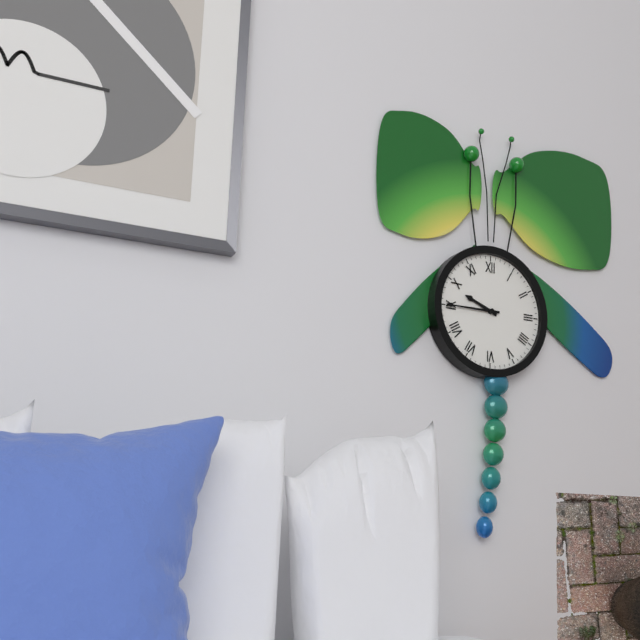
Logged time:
h=9 m=45
